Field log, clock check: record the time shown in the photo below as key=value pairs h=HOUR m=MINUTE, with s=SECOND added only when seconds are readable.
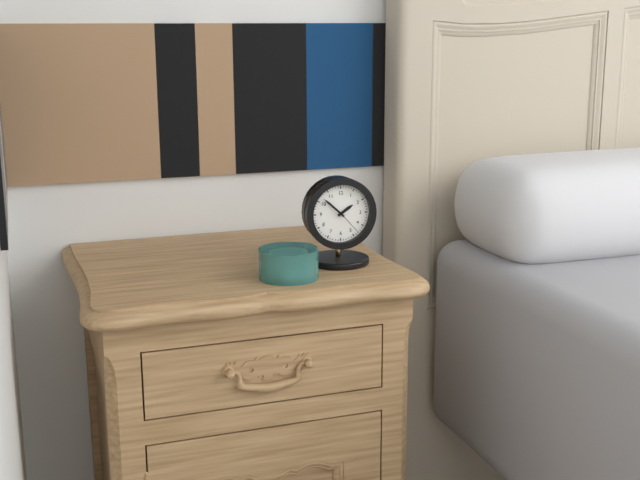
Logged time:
h=1 m=52
